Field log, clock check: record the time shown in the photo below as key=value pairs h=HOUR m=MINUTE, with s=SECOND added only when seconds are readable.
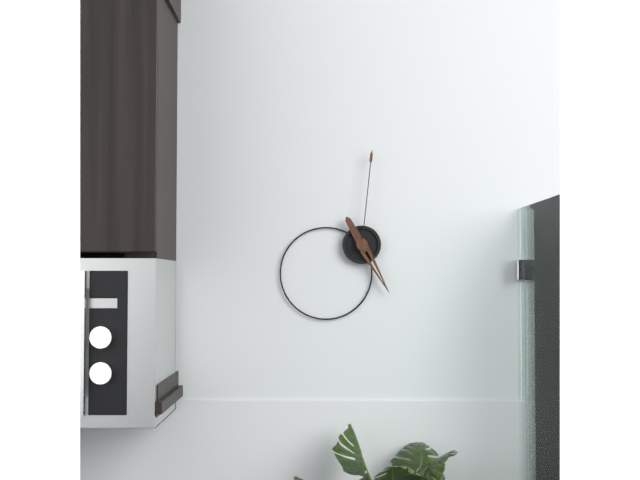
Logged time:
h=5 m=1
